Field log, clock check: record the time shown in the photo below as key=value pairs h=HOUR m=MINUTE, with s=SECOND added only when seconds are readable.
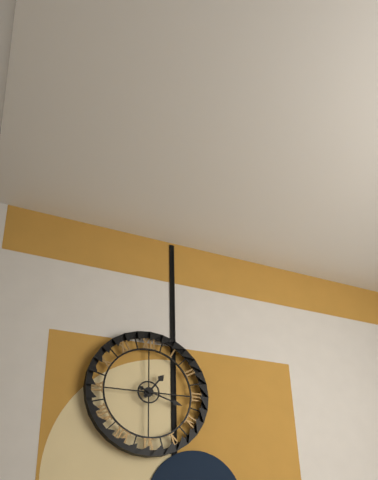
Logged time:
h=1 m=18
